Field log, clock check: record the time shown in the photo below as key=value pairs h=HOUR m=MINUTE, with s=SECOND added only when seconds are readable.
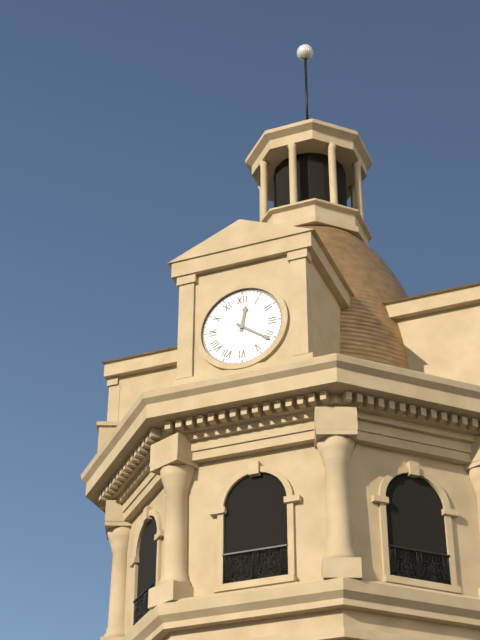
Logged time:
h=12 m=21
